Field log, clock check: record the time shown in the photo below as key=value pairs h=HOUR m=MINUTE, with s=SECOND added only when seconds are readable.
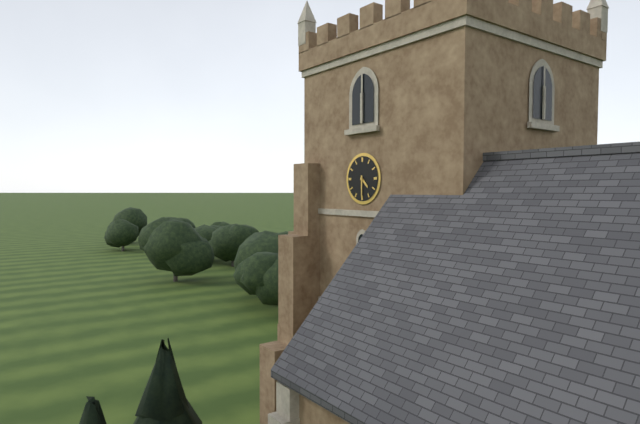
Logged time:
h=4 m=30
